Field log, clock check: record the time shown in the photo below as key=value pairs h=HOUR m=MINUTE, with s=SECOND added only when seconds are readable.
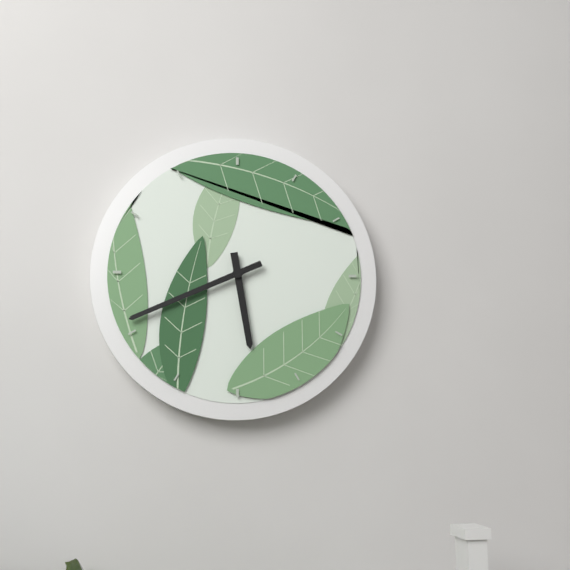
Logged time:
h=5 m=41
